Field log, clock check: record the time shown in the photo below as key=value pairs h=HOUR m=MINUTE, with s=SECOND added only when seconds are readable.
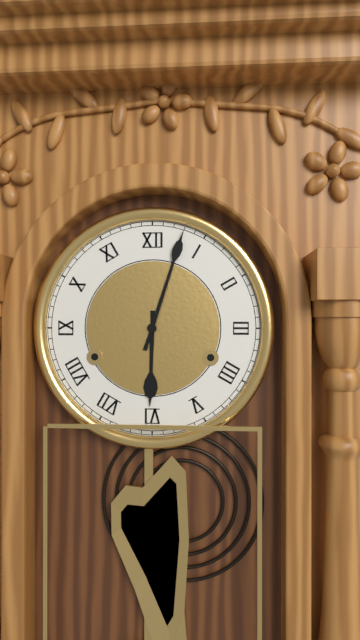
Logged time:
h=6 m=3
